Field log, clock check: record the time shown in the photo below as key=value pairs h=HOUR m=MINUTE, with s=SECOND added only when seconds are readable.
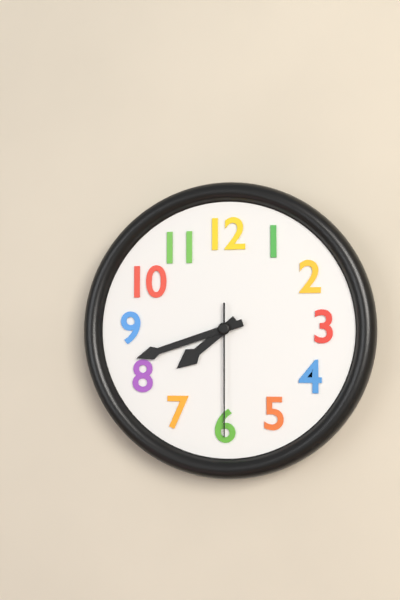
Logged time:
h=7 m=42 s=30
